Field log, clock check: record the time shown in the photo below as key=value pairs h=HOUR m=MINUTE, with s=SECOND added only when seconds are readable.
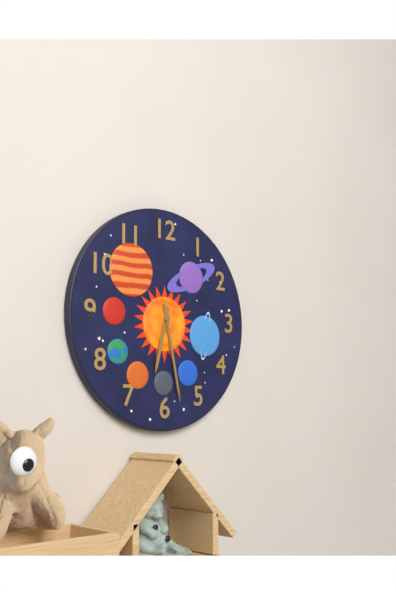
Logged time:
h=6 m=28
